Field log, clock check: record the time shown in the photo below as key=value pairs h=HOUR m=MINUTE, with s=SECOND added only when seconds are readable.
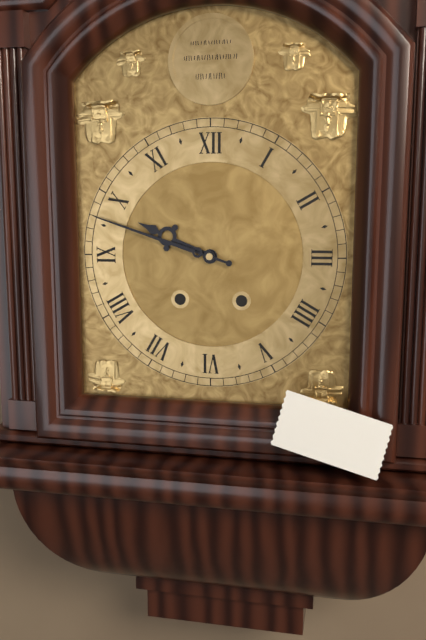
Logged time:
h=9 m=48
